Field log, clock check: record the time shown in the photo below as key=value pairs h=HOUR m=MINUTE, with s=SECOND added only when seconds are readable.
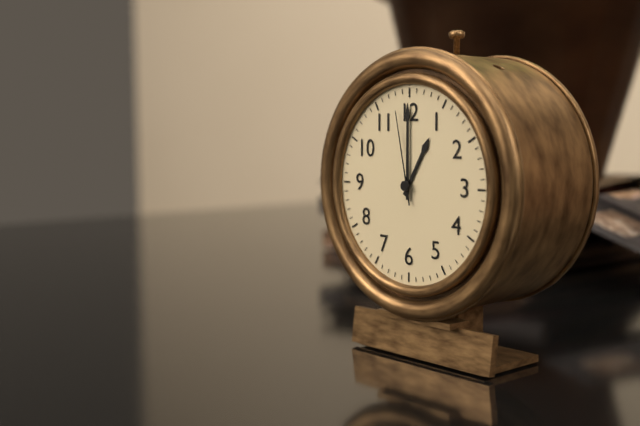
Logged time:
h=1 m=0 s=58
